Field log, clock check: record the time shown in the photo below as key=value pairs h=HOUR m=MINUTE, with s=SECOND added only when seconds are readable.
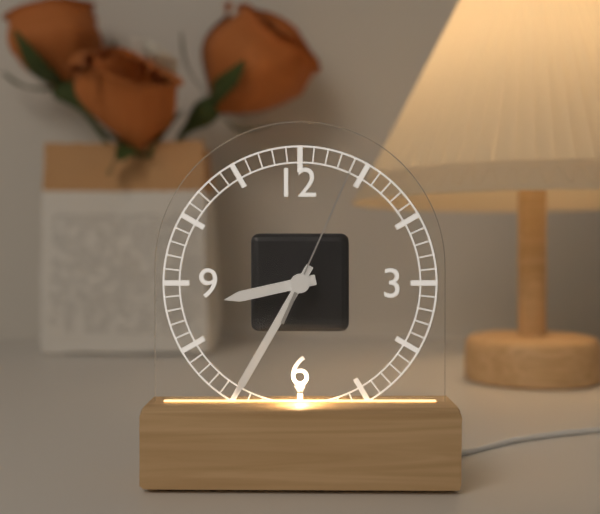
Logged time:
h=8 m=35 s=4
